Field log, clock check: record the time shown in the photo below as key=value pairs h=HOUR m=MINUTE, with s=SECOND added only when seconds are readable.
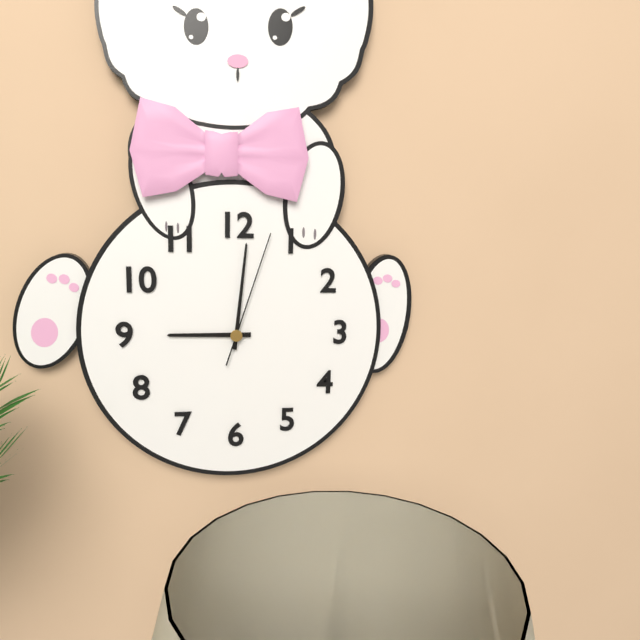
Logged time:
h=9 m=1 s=3
